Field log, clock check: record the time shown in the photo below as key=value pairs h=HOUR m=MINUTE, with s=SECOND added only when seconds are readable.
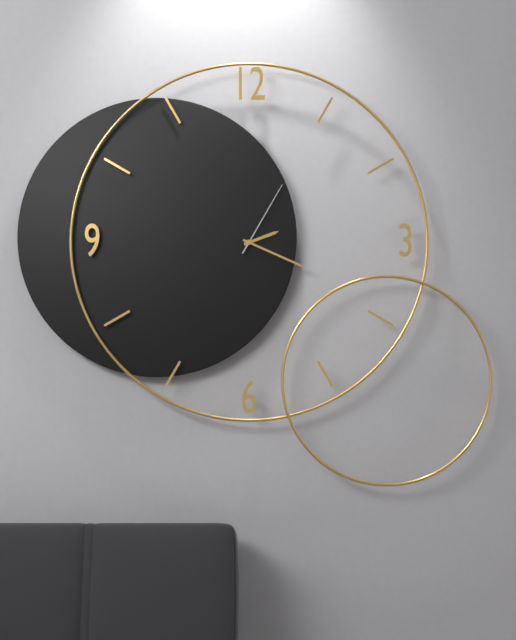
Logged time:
h=2 m=19 s=5
